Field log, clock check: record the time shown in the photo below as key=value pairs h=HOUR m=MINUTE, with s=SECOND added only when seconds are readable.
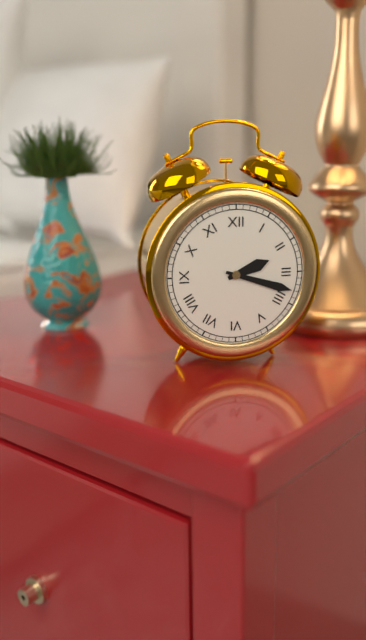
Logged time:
h=2 m=18
